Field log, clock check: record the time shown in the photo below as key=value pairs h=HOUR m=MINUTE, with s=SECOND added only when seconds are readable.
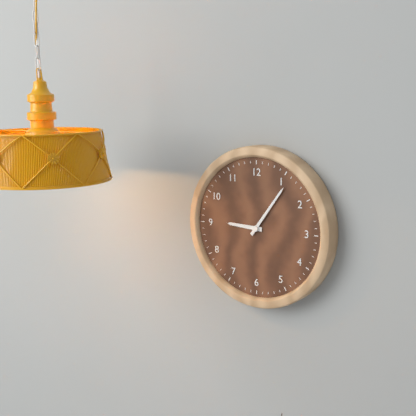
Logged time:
h=9 m=6
